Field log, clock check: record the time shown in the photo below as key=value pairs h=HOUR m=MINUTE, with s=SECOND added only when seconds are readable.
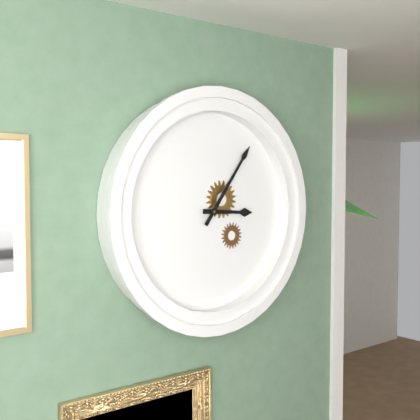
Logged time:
h=3 m=6
